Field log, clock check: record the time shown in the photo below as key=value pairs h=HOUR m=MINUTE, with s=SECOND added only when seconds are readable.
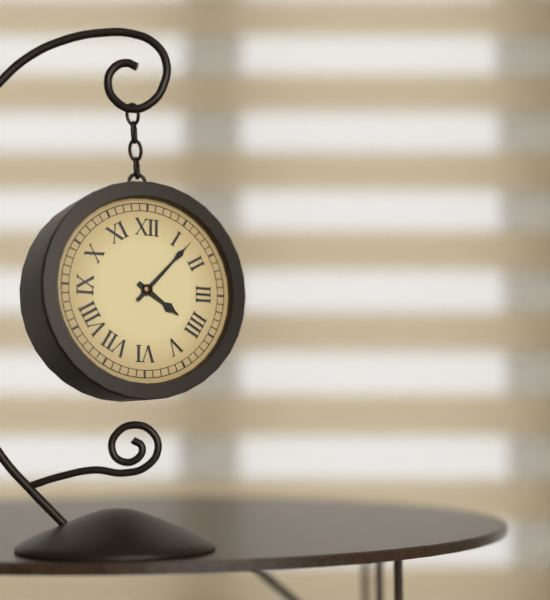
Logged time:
h=4 m=7
